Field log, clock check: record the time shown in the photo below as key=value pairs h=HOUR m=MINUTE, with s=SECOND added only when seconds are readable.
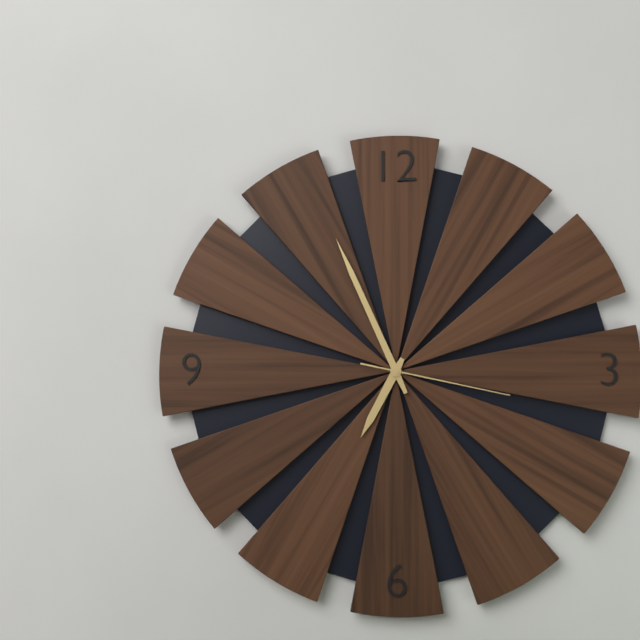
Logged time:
h=6 m=56 s=17
